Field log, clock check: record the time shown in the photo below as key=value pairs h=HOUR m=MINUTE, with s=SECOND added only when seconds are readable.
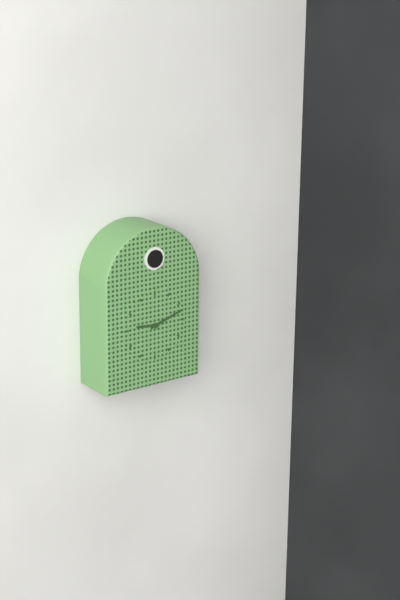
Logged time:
h=9 m=12
